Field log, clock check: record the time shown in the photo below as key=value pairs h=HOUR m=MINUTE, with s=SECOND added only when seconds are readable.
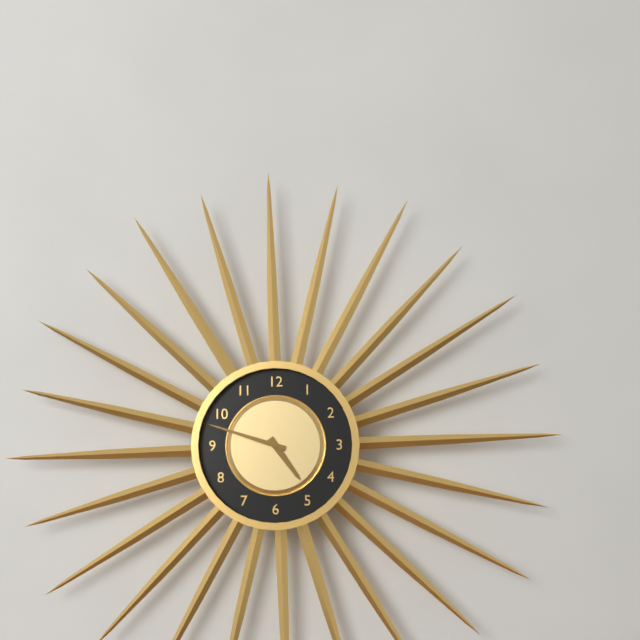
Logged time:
h=4 m=48
